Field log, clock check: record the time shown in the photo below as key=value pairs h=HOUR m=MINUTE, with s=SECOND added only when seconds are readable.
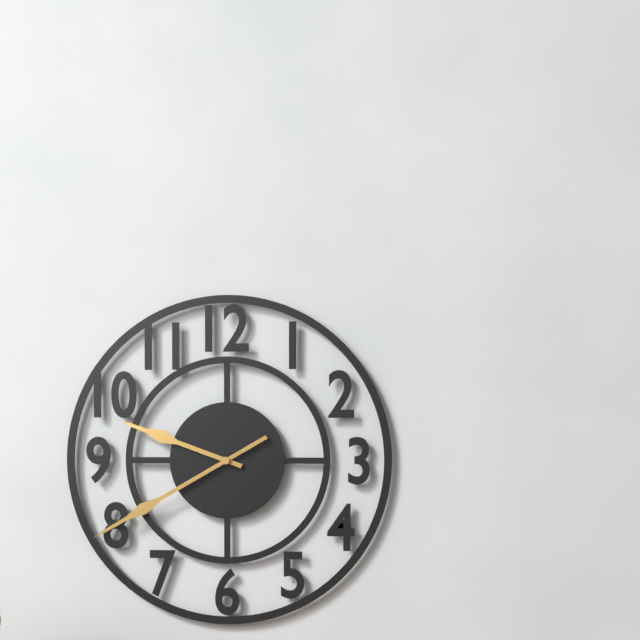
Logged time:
h=9 m=40
